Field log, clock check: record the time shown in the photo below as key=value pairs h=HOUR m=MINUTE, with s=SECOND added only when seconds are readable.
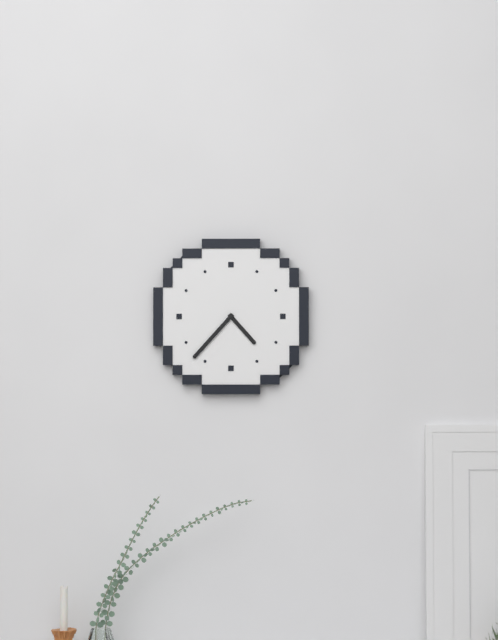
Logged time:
h=4 m=37
